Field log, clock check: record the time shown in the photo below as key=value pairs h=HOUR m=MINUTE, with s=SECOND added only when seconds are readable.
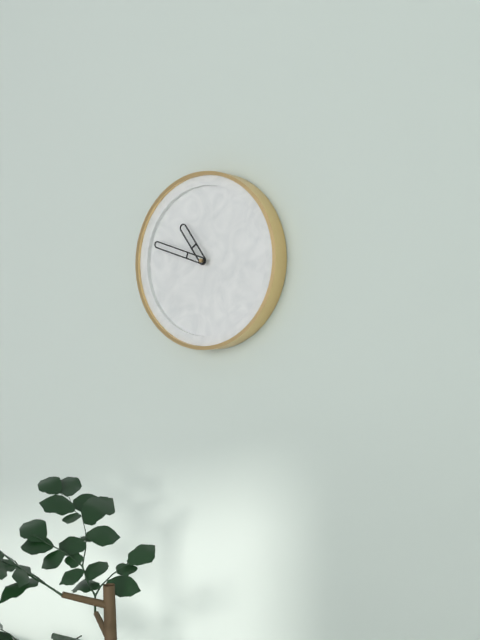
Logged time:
h=10 m=48
